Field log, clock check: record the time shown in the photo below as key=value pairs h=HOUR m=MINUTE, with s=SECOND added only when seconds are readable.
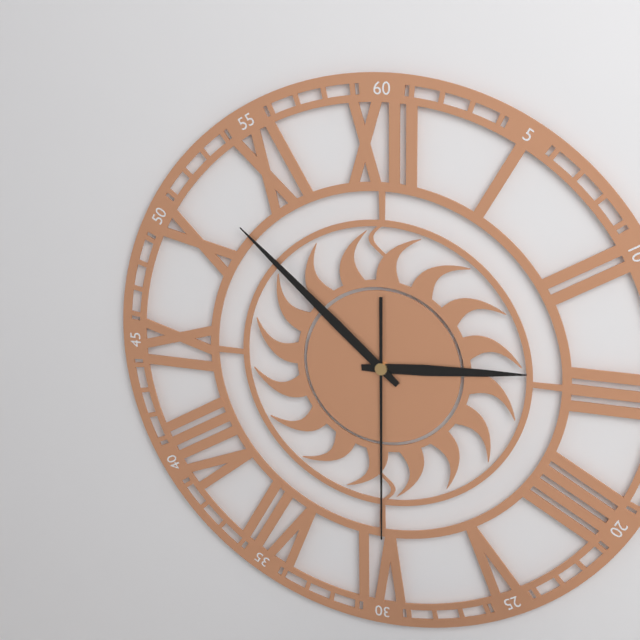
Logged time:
h=2 m=52 s=30
